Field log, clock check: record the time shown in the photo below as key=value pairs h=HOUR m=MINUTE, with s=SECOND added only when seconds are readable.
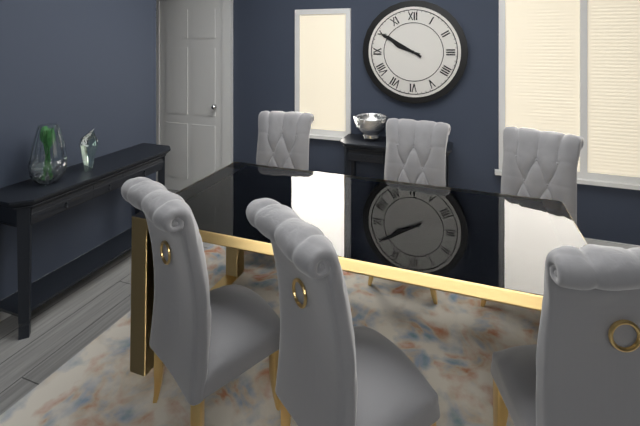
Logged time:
h=9 m=50
